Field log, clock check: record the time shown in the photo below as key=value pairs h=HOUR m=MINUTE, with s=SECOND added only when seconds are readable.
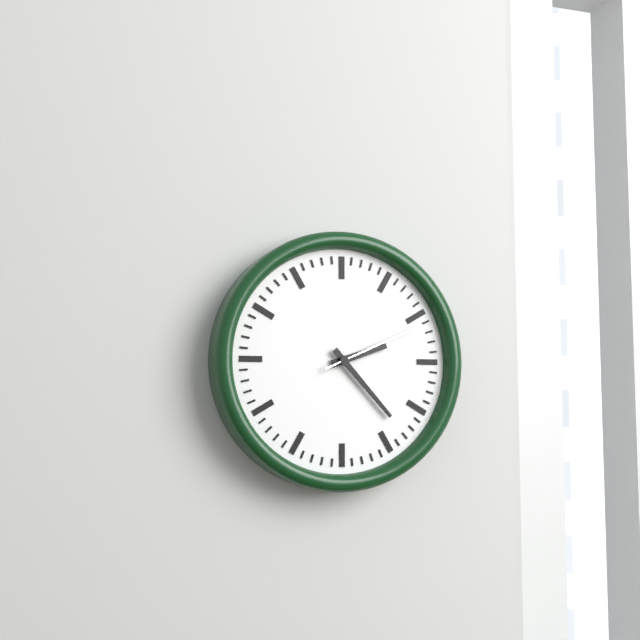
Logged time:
h=2 m=23 s=11
